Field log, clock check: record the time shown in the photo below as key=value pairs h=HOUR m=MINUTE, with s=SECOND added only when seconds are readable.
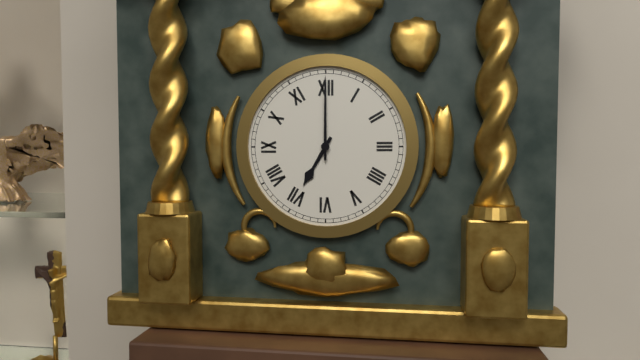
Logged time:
h=7 m=0
